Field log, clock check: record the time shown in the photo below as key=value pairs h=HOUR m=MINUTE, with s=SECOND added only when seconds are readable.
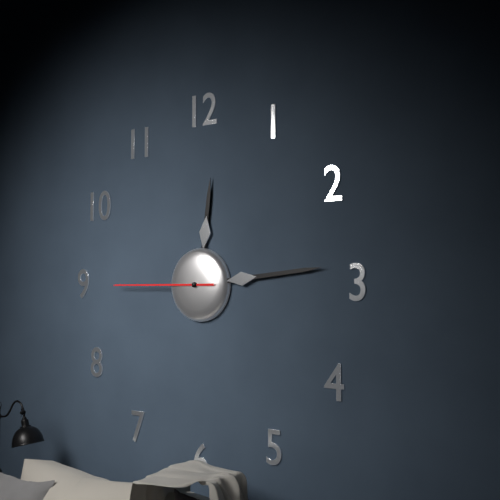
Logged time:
h=12 m=14 s=45
